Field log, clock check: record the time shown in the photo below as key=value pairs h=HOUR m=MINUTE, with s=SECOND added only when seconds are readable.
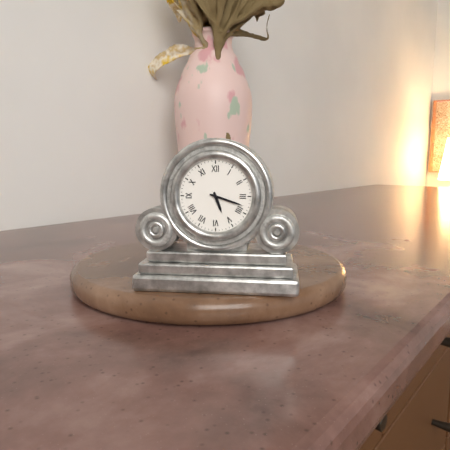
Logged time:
h=5 m=18
